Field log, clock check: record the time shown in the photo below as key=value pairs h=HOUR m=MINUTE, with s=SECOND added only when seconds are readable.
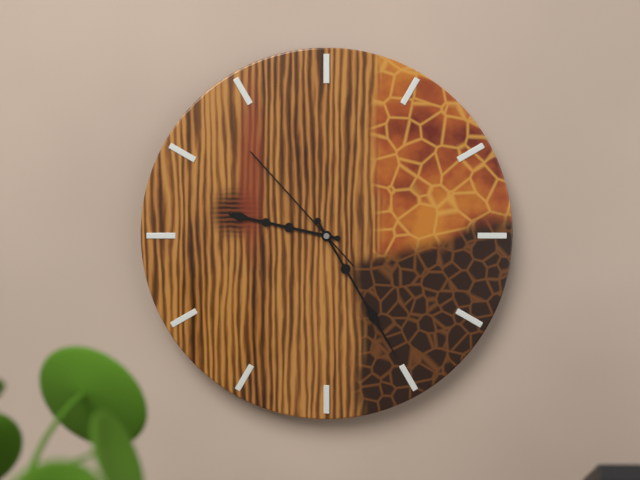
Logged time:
h=9 m=25 s=53
